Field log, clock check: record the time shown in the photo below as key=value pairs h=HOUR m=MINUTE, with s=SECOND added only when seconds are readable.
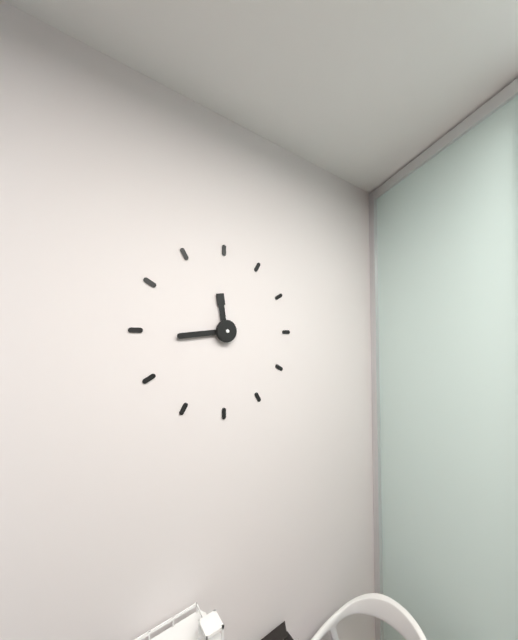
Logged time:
h=11 m=44
